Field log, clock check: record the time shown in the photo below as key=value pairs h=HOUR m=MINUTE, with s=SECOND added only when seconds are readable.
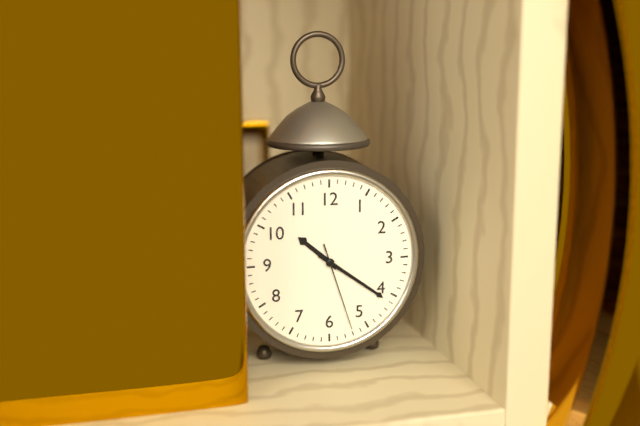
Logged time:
h=10 m=21 s=27
